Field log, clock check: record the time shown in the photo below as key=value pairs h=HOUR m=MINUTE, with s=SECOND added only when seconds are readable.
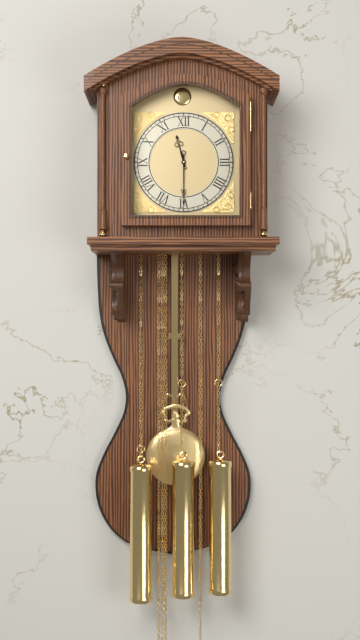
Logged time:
h=11 m=30
